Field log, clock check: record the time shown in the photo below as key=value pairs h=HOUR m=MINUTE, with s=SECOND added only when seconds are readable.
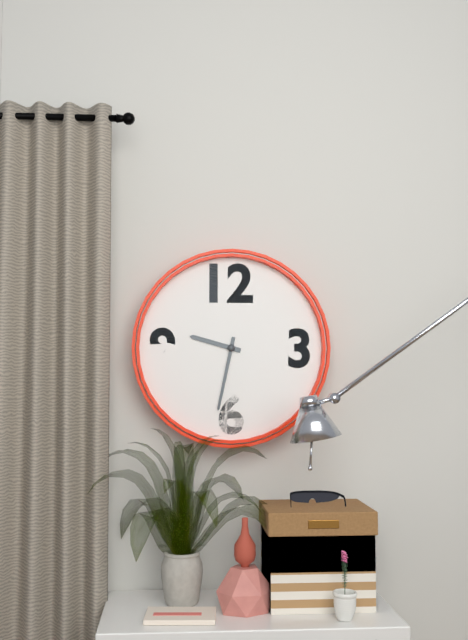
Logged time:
h=9 m=32
